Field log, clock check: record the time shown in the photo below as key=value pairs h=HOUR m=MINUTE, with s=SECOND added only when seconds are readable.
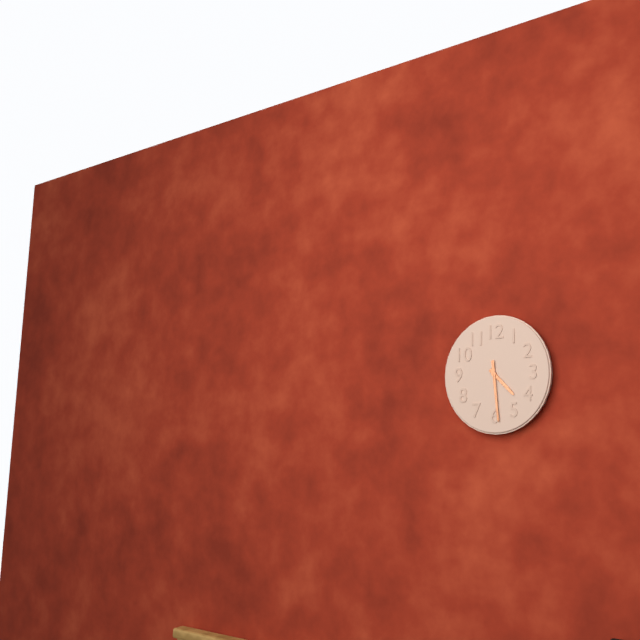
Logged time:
h=4 m=29
